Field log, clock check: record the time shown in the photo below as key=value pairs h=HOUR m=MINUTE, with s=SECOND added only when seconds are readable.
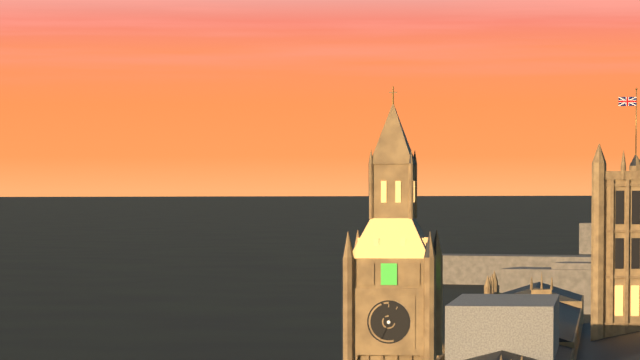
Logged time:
h=10 m=34
